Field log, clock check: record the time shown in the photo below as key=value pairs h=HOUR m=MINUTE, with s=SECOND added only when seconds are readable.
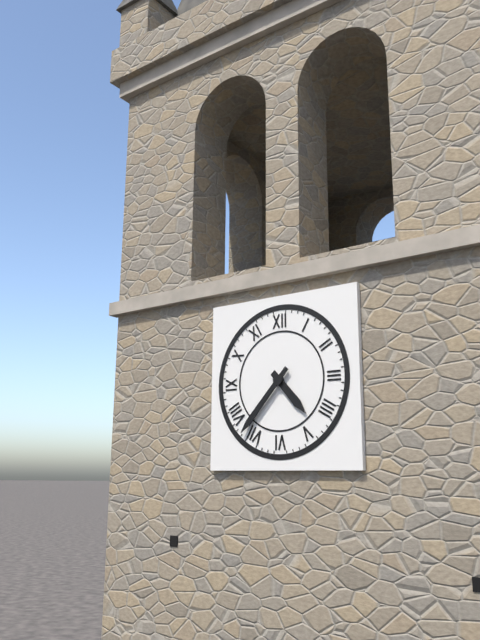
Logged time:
h=4 m=37
